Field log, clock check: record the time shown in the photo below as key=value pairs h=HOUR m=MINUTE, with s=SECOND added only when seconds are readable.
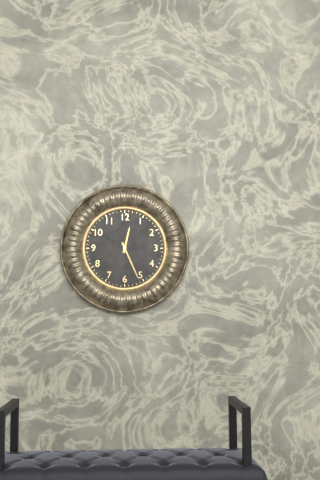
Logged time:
h=12 m=26
